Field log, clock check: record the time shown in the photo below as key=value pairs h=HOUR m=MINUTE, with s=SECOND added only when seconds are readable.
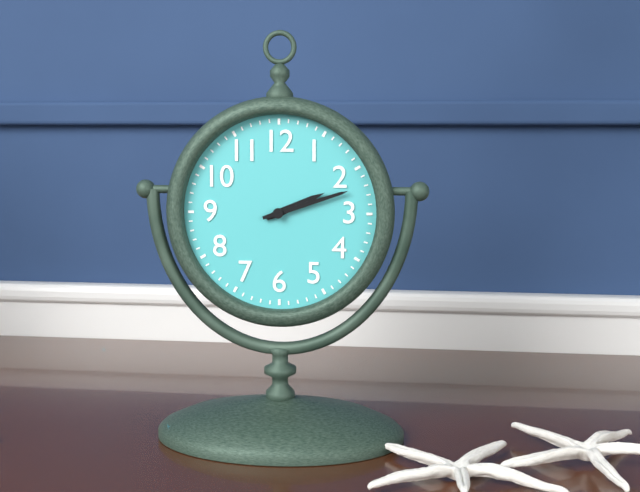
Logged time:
h=2 m=12
